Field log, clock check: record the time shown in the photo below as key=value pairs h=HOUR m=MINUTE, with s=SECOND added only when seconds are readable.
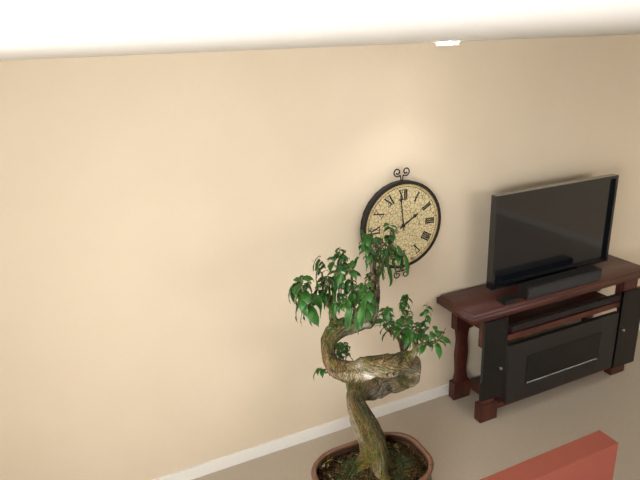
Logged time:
h=1 m=59
